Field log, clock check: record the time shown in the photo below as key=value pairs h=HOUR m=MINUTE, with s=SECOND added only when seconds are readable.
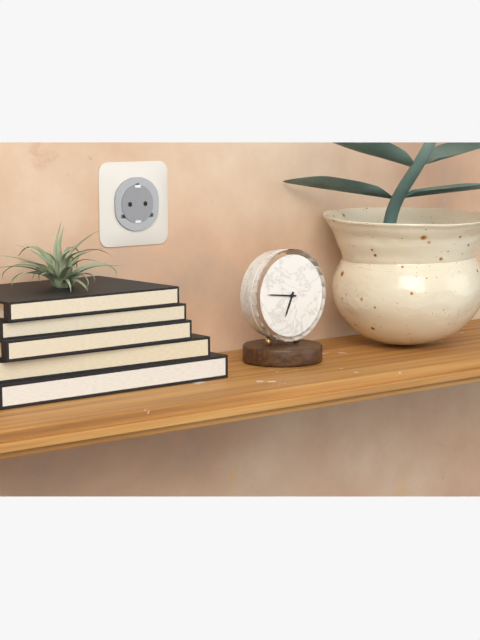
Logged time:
h=6 m=46
